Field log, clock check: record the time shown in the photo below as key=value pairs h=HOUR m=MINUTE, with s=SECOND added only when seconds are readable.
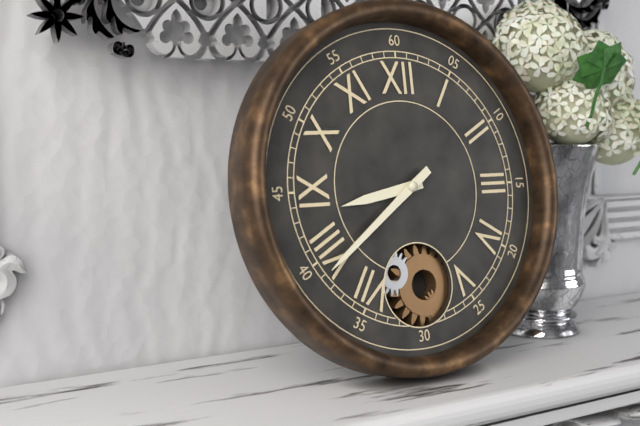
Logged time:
h=8 m=39
